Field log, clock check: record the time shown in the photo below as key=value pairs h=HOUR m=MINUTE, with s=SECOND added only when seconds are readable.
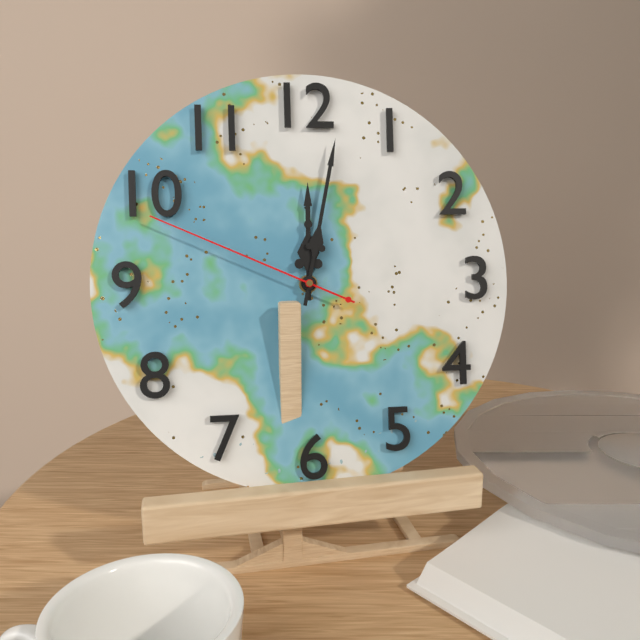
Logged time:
h=12 m=2 s=49
